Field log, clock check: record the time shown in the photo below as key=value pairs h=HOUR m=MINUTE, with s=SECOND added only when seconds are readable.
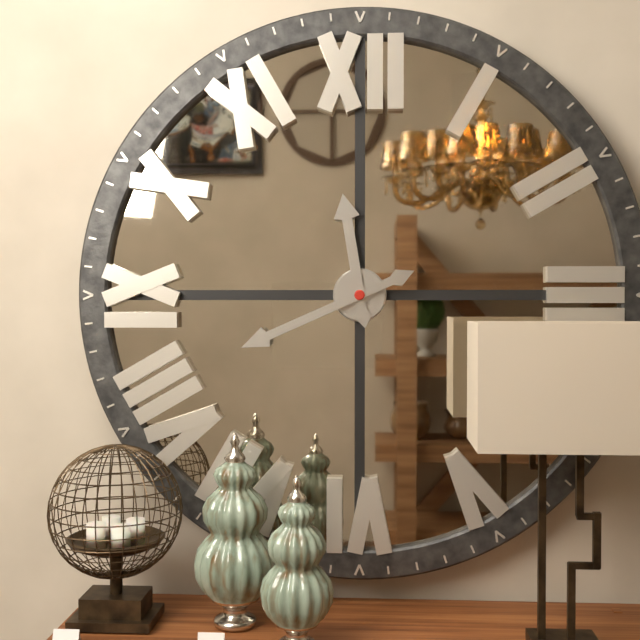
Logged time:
h=11 m=41
